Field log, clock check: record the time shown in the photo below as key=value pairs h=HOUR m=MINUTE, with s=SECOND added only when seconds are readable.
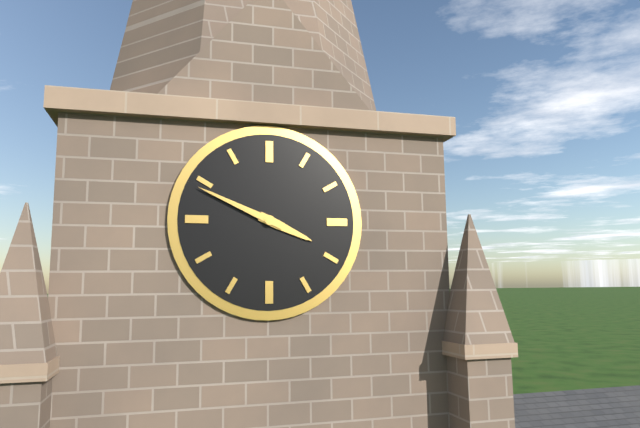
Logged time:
h=3 m=49
